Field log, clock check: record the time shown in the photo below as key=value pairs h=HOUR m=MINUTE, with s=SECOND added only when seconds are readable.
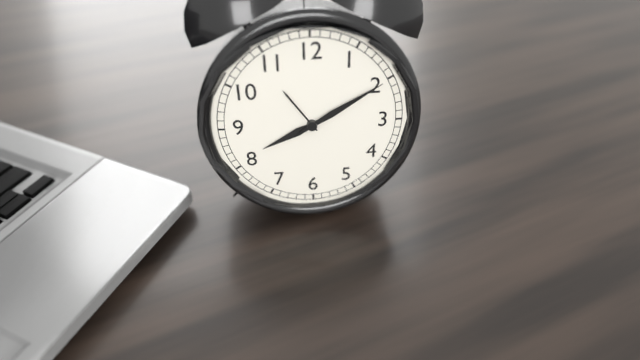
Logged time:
h=8 m=10
